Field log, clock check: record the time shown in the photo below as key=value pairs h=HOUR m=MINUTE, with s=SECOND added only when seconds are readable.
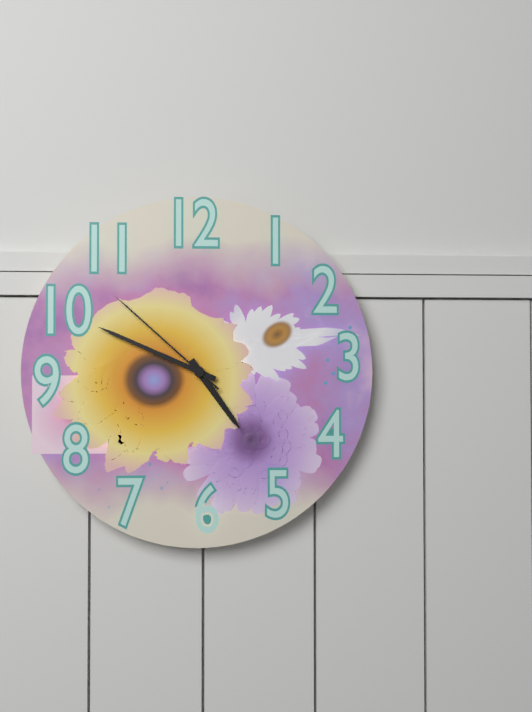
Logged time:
h=4 m=49 s=52
